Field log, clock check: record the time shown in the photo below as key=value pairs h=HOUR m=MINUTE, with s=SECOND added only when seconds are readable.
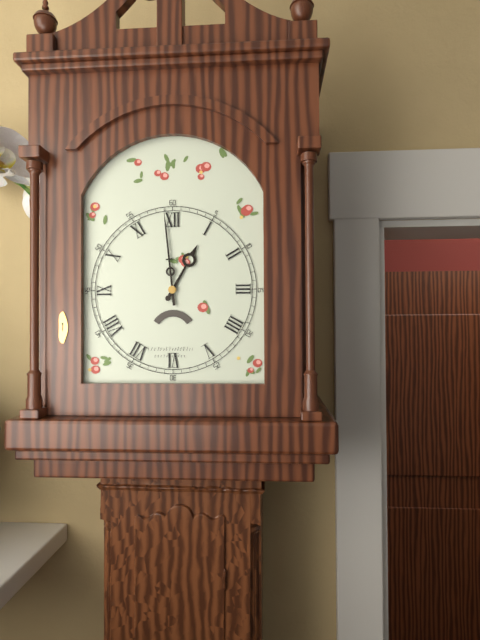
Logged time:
h=12 m=59
